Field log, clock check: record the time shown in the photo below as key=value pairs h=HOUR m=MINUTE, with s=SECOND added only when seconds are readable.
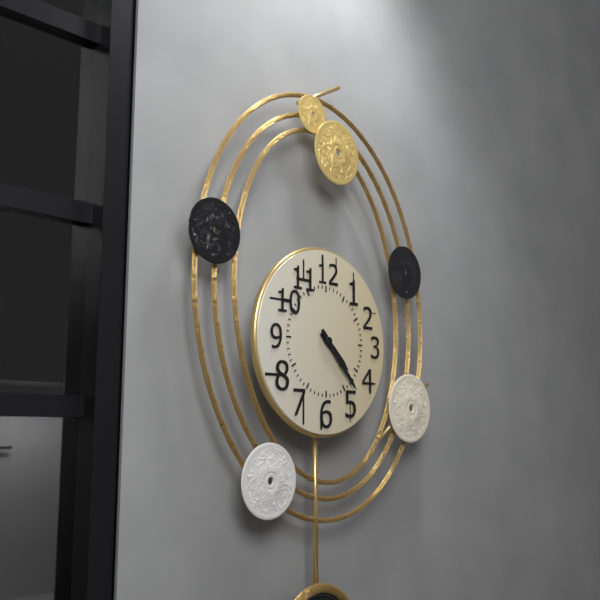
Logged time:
h=4 m=23
